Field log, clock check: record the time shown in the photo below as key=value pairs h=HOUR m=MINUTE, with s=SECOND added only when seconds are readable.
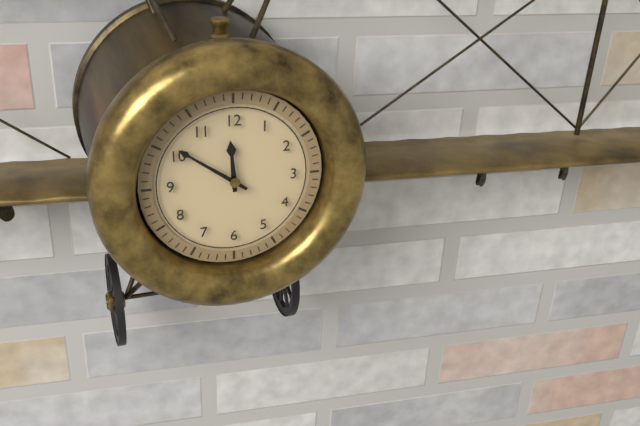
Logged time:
h=11 m=51
